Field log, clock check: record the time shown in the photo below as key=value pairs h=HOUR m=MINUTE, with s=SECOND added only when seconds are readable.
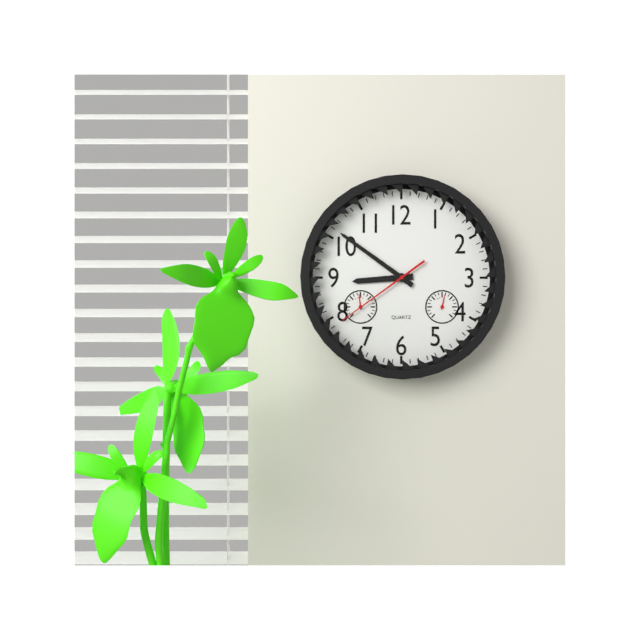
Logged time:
h=8 m=51 s=39
